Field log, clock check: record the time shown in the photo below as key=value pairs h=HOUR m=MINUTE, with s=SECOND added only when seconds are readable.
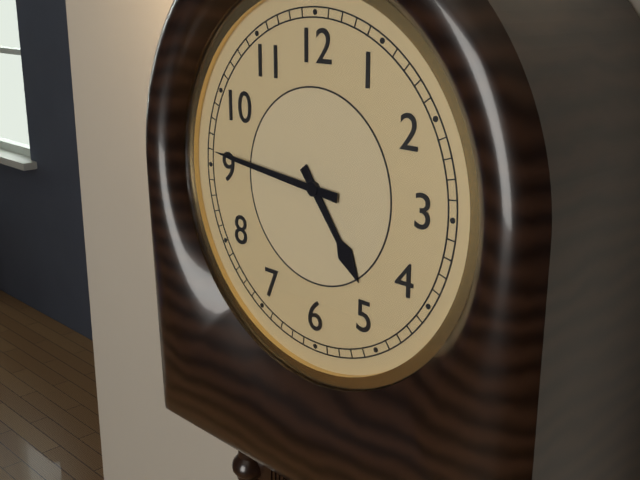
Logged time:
h=4 m=46
